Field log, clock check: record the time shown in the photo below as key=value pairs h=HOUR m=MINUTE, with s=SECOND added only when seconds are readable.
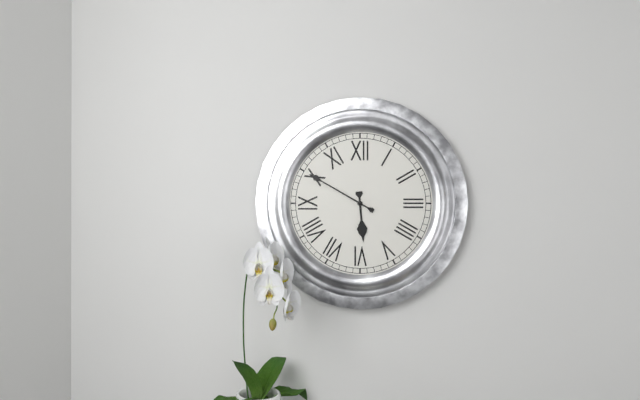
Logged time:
h=5 m=50
